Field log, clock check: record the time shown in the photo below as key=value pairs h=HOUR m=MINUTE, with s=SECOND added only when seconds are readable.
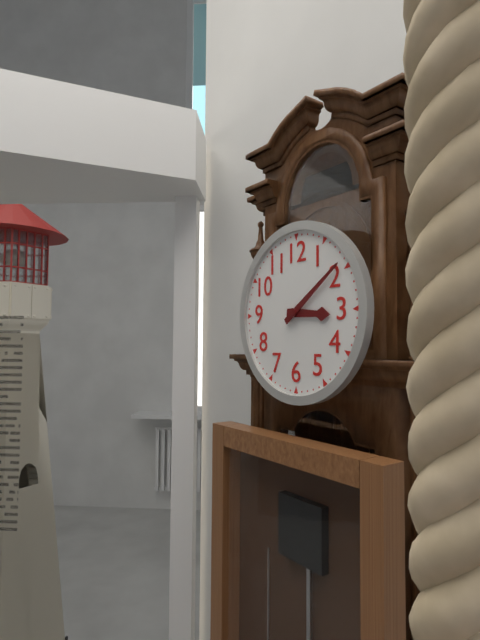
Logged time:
h=3 m=9
